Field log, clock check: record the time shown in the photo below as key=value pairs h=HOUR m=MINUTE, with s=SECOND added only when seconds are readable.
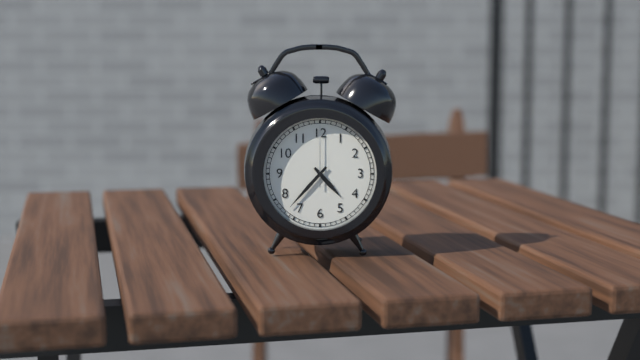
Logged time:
h=4 m=37 s=0
